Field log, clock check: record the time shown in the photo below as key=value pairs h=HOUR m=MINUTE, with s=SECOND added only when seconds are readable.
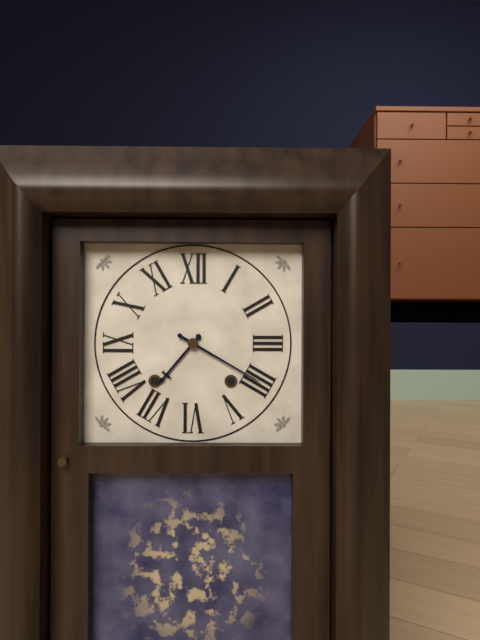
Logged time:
h=7 m=20
